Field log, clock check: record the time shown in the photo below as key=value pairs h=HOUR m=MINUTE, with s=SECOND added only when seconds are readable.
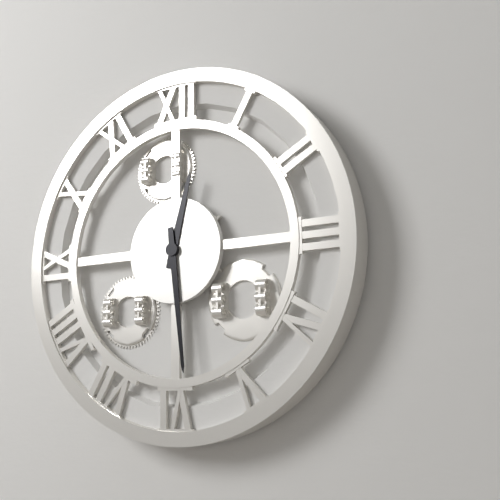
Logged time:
h=12 m=29
